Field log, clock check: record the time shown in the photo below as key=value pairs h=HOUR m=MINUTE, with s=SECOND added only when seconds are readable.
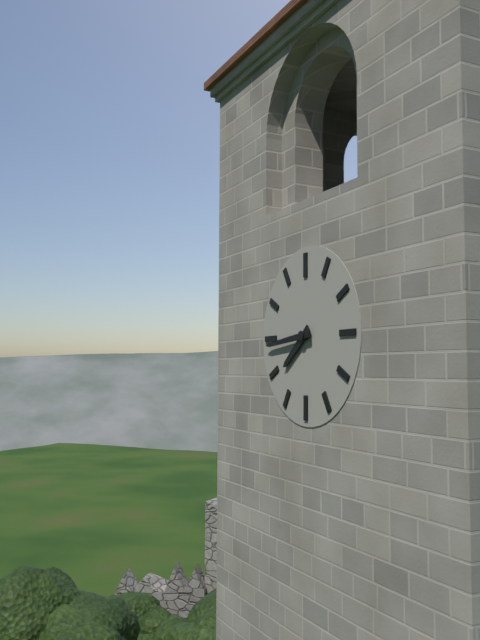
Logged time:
h=7 m=44
